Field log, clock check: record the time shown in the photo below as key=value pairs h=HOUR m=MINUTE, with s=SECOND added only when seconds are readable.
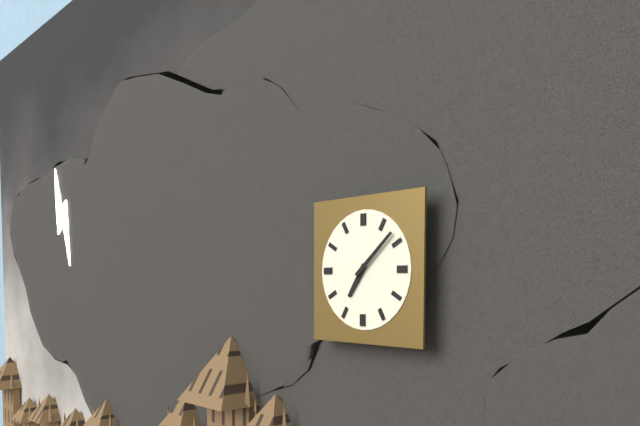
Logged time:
h=7 m=8
